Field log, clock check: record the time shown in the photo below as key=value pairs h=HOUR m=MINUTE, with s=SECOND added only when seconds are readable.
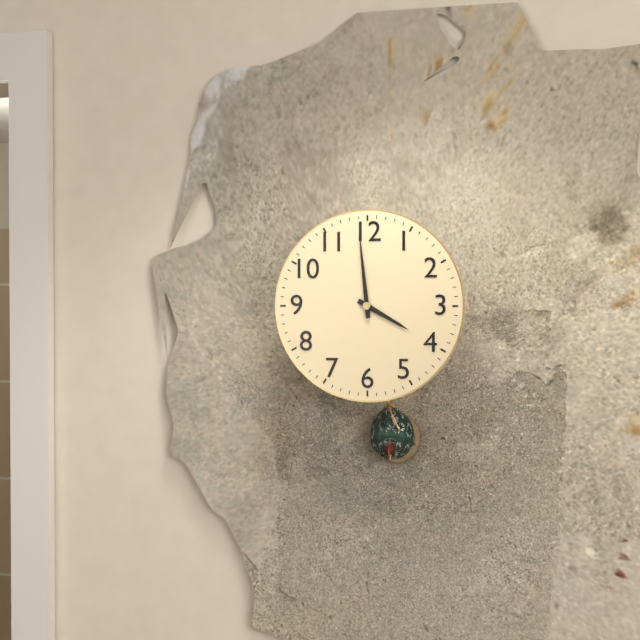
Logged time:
h=3 m=59
